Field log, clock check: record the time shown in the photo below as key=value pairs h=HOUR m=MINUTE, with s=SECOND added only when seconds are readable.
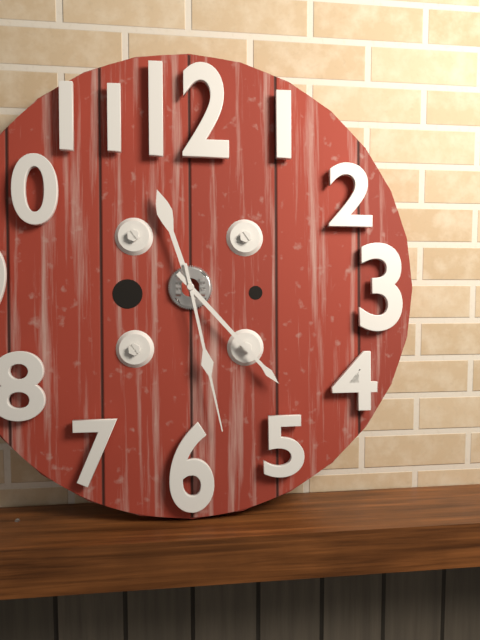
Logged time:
h=11 m=23 s=28
